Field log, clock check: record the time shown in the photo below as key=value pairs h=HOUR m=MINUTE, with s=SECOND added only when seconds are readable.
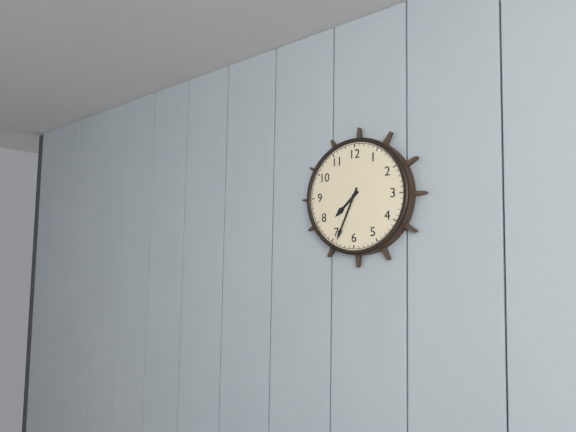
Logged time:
h=7 m=34
